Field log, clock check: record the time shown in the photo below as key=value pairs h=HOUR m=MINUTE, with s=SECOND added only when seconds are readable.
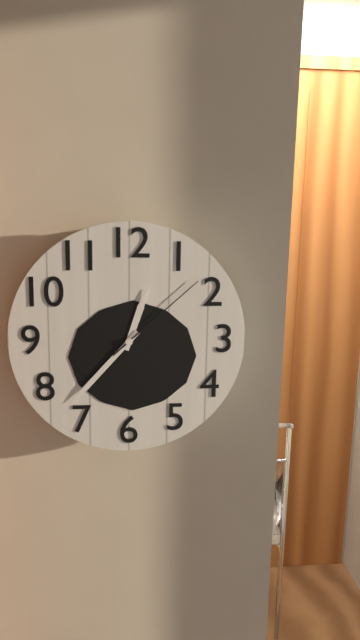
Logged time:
h=12 m=37 s=8
